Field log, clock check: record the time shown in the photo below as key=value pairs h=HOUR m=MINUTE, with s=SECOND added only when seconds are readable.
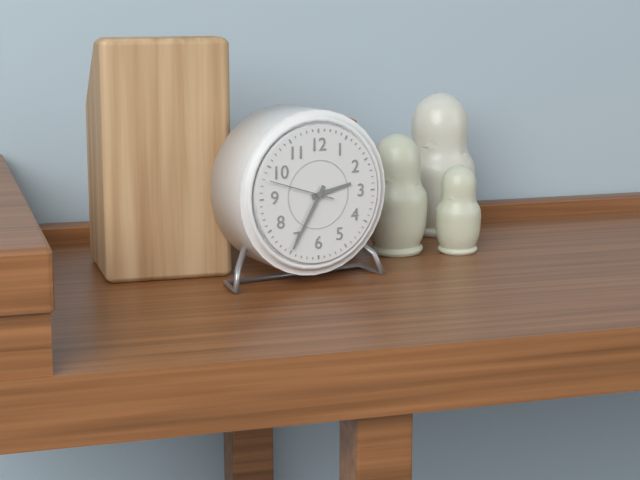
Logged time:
h=2 m=35 s=48
